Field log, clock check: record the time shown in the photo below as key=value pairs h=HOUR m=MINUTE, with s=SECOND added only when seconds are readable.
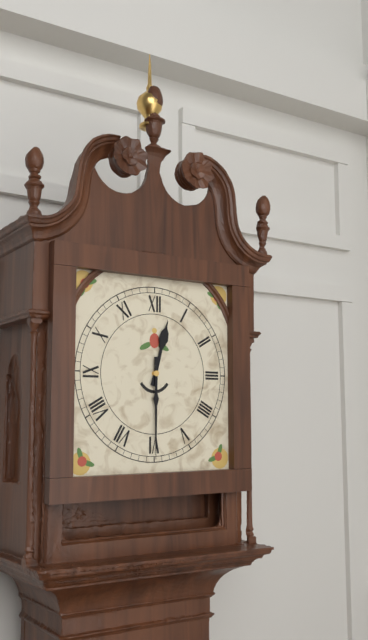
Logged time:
h=12 m=30
